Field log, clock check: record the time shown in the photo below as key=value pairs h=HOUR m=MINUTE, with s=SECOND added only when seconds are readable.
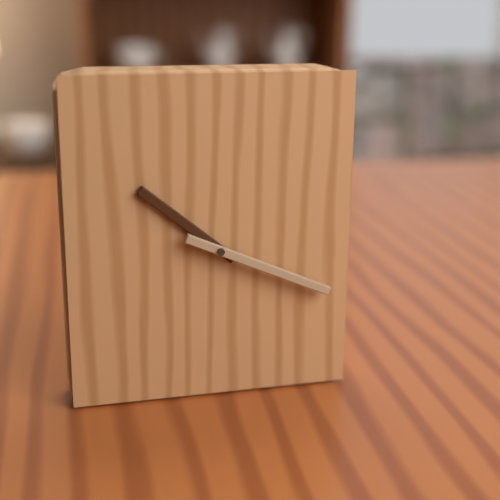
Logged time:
h=10 m=19
